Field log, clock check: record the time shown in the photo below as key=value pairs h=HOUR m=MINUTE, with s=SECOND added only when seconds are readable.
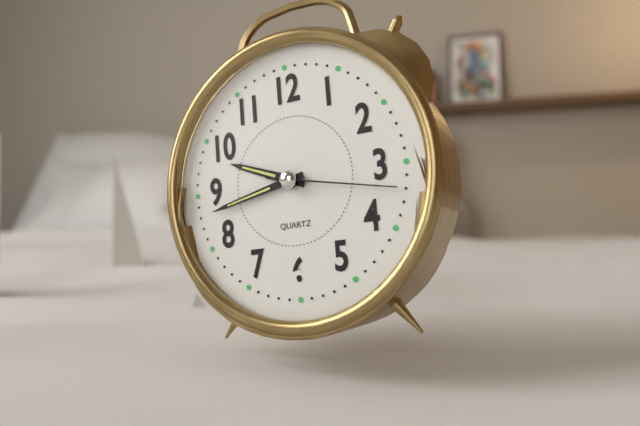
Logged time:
h=9 m=43 s=17
